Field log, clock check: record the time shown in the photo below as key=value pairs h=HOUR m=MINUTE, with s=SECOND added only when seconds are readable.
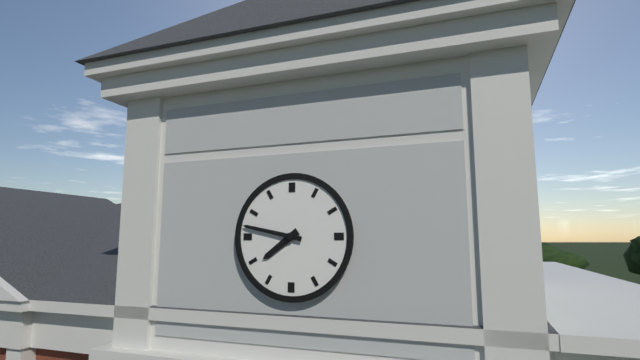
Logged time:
h=7 m=47
